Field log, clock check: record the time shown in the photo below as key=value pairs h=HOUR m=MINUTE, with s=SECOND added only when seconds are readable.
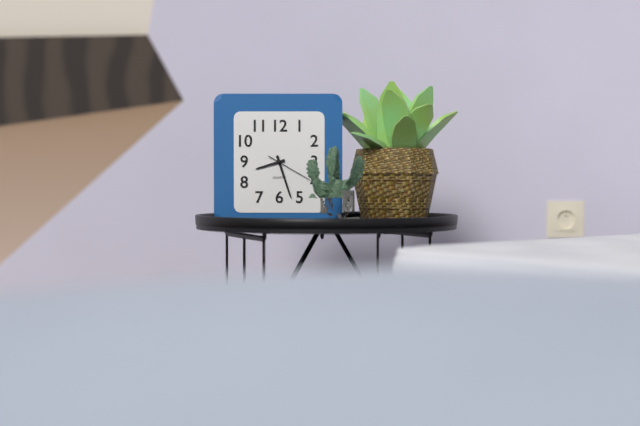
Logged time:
h=8 m=27 s=20
